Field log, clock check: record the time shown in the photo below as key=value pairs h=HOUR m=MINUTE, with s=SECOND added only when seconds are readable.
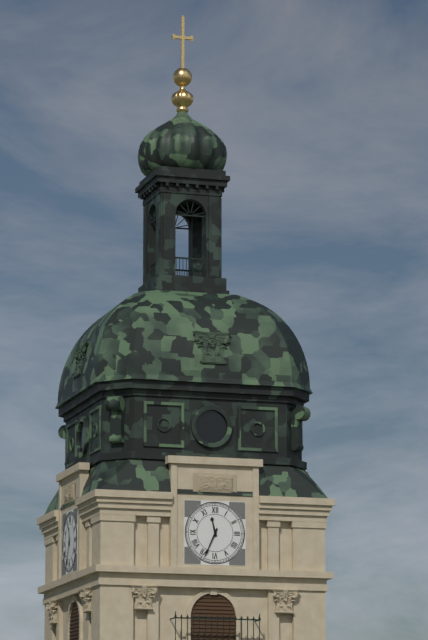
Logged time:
h=11 m=34
